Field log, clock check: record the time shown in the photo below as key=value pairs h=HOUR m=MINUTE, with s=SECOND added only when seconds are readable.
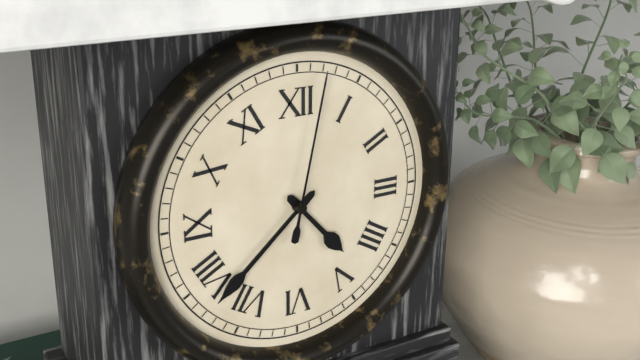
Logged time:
h=4 m=38 s=2
